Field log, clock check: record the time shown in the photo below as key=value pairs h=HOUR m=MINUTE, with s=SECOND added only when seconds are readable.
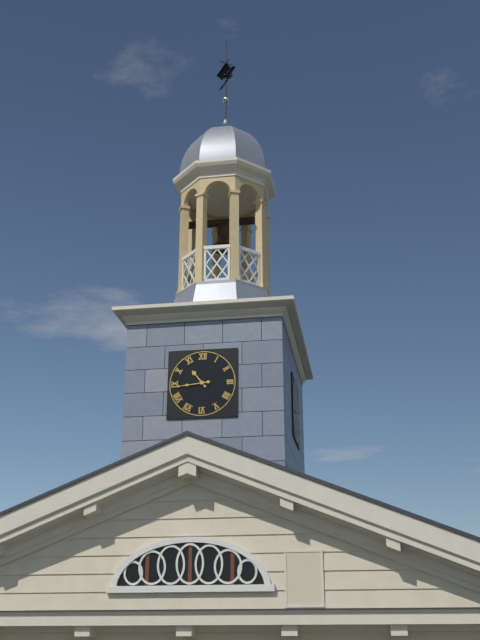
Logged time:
h=10 m=44
